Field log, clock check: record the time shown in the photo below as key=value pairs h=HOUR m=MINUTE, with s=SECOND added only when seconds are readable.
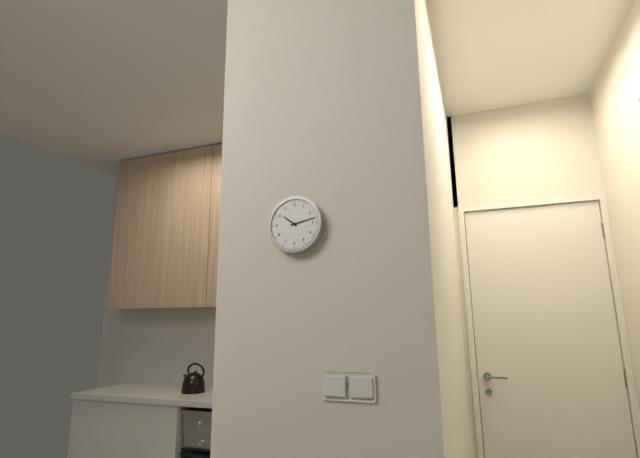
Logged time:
h=10 m=13
